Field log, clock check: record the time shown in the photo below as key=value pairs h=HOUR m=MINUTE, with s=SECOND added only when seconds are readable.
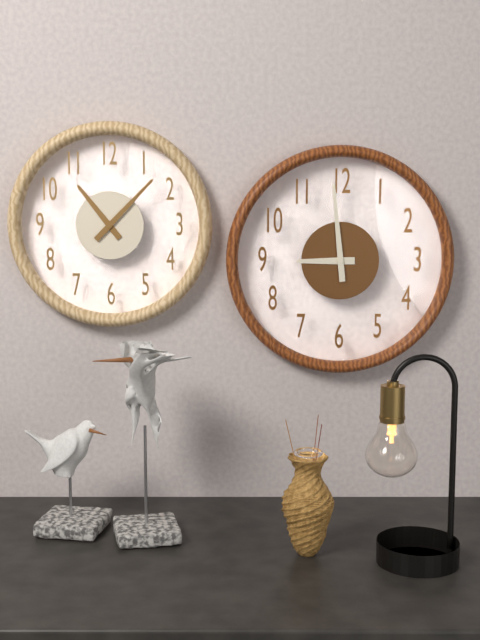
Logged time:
h=8 m=59
